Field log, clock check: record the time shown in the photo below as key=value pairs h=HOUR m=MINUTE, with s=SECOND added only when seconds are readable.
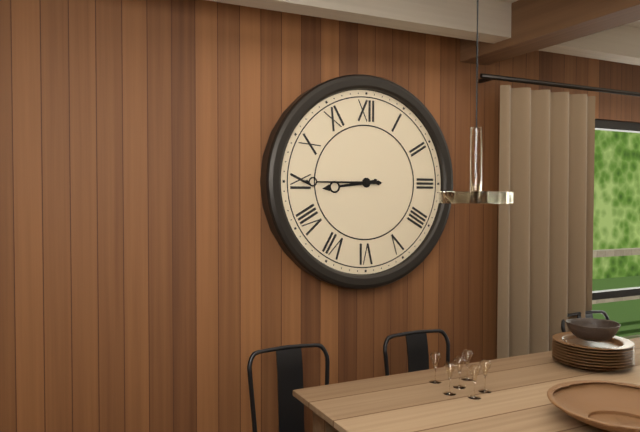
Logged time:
h=8 m=45
